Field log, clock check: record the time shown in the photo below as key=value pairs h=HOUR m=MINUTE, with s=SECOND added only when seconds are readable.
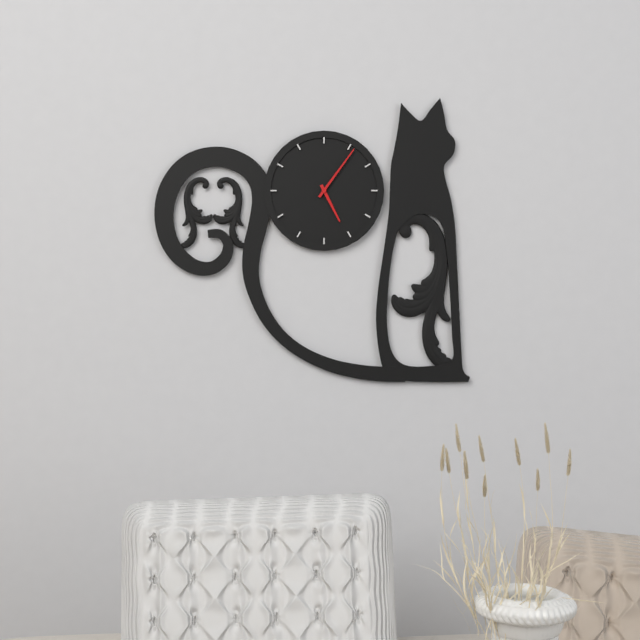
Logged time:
h=5 m=6
